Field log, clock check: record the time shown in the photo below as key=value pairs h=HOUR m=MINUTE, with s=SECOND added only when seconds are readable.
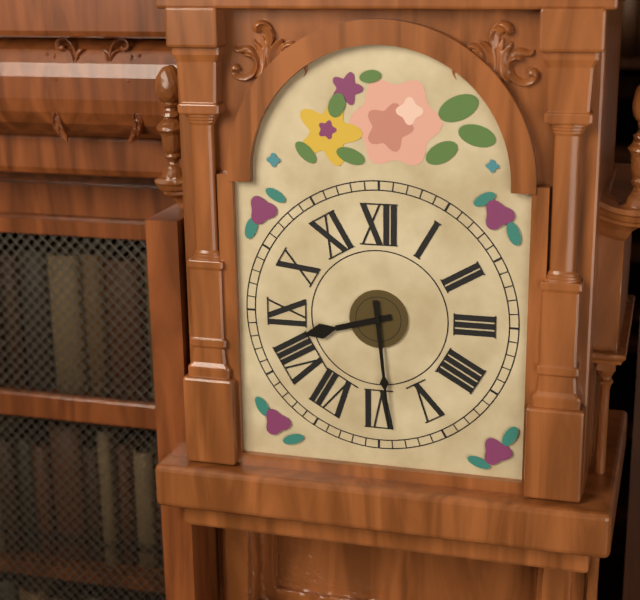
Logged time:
h=8 m=29
